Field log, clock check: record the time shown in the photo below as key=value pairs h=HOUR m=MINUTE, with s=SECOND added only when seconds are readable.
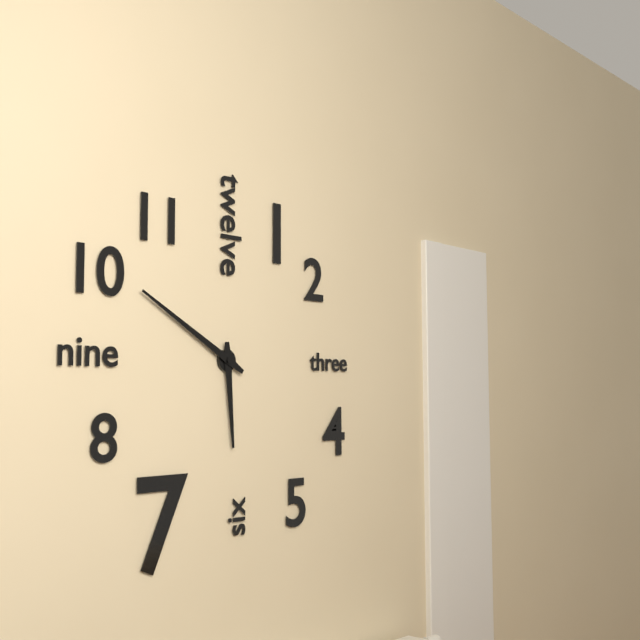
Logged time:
h=5 m=50
